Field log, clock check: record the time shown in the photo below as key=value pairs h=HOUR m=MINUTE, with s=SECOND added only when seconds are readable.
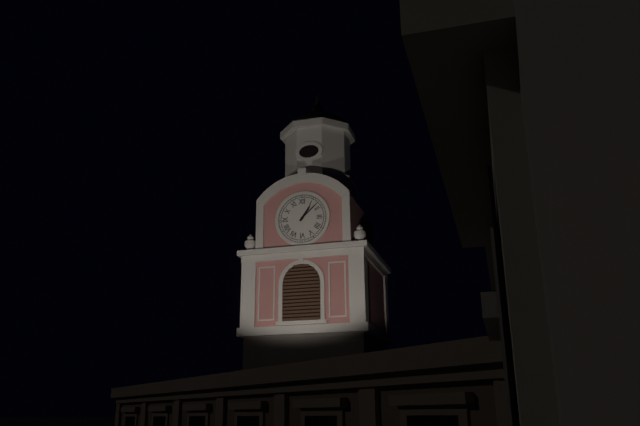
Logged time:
h=1 m=8
